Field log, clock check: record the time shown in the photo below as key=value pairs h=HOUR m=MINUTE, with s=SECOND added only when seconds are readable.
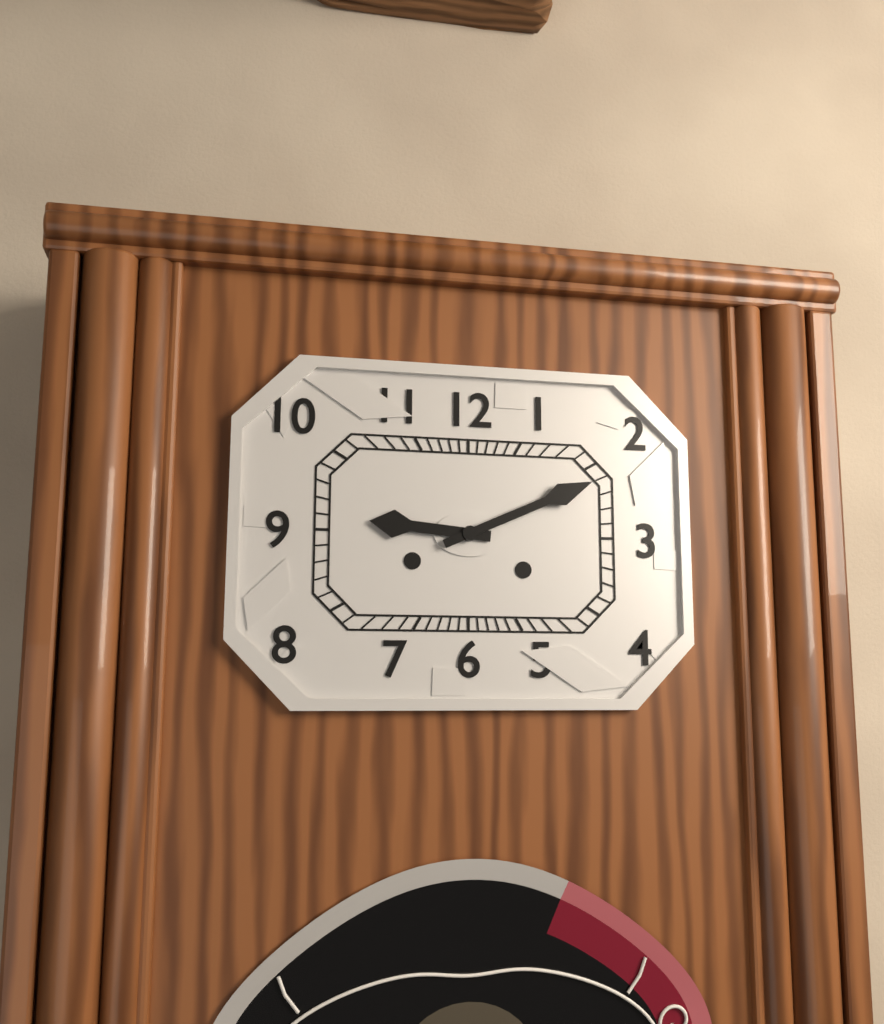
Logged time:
h=9 m=11
